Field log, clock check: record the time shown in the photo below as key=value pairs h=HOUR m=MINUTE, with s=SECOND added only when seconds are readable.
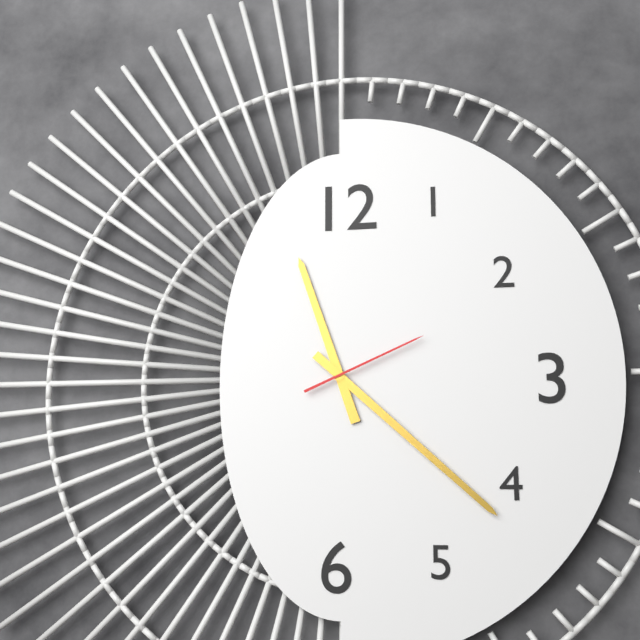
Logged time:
h=11 m=22 s=11
